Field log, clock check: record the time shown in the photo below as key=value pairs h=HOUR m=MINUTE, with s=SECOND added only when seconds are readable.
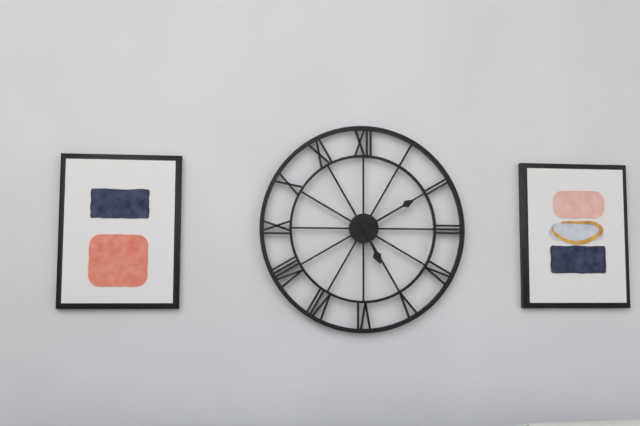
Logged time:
h=5 m=10
